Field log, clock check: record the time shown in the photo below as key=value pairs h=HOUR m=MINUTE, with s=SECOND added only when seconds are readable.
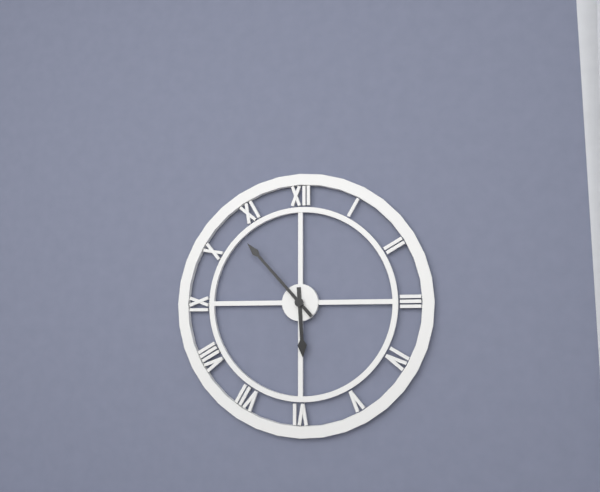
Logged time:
h=5 m=53
